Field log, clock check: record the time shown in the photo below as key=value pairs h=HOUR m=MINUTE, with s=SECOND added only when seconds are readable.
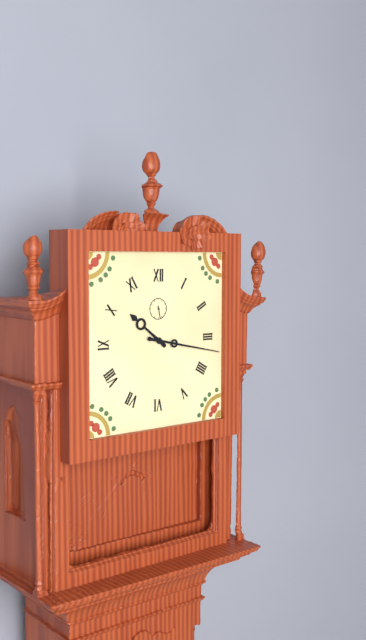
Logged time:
h=10 m=17
